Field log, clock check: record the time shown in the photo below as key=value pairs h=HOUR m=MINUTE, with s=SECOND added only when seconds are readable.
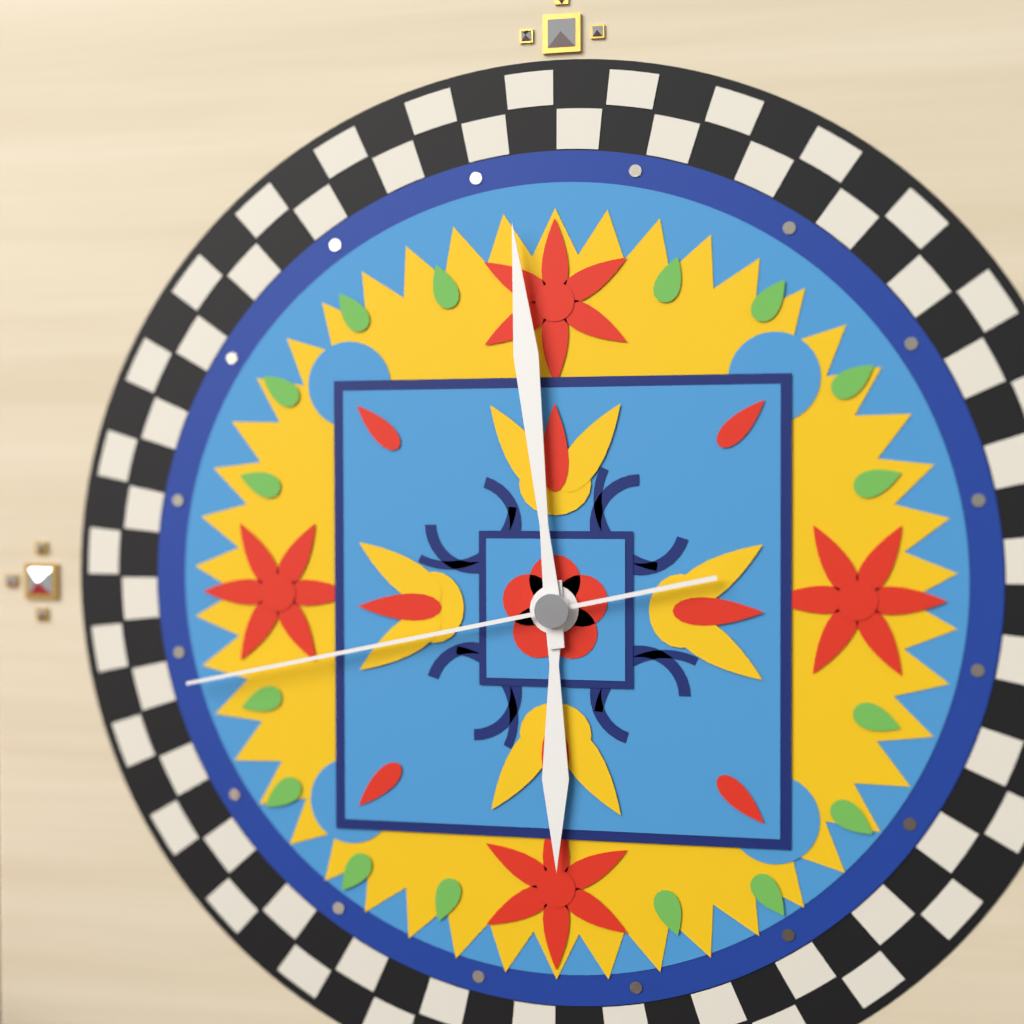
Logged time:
h=5 m=59 s=43
